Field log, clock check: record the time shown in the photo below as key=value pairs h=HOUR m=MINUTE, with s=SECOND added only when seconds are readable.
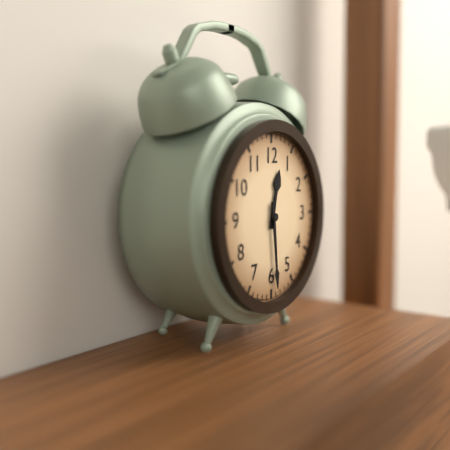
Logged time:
h=12 m=29
